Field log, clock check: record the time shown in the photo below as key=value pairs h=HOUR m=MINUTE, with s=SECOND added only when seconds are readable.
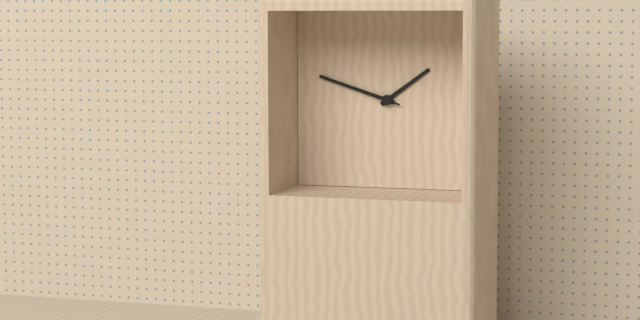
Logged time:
h=1 m=48 s=48
